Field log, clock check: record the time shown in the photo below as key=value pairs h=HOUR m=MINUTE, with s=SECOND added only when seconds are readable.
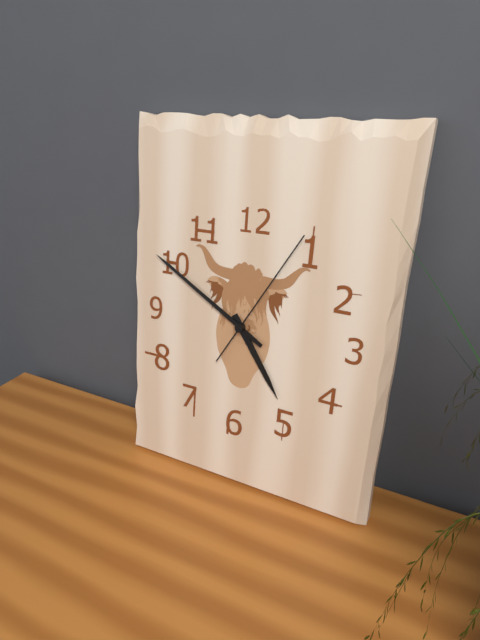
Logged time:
h=4 m=50 s=5
